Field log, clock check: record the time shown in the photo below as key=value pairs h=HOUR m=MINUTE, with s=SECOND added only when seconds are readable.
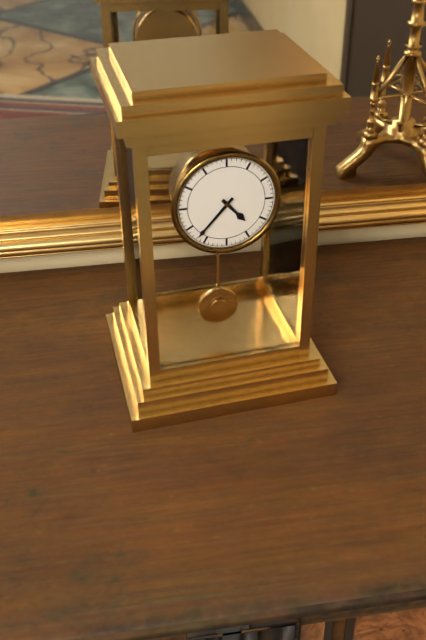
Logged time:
h=4 m=37
